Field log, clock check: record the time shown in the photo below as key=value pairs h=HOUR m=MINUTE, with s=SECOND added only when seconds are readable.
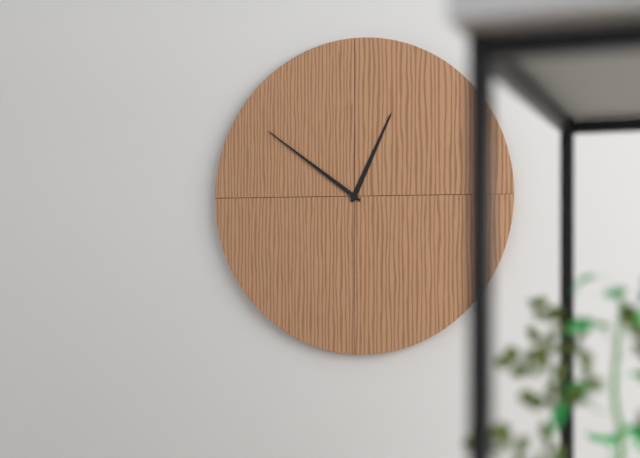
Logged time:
h=12 m=51
